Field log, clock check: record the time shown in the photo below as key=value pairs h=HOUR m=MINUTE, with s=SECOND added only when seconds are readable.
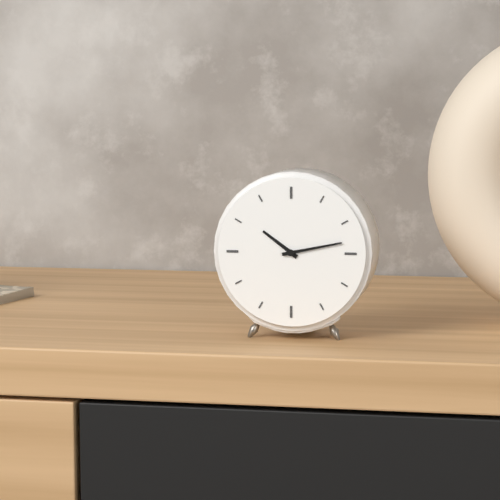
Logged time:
h=10 m=13
